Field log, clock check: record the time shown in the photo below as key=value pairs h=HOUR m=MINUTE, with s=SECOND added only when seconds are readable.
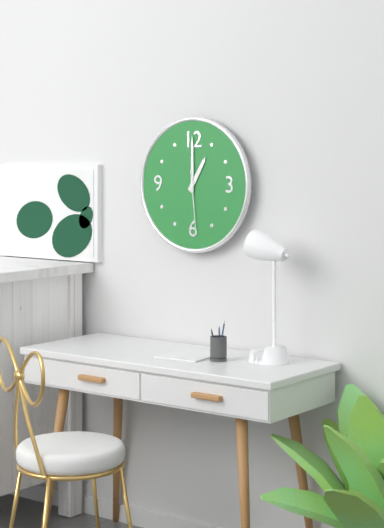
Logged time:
h=1 m=0 s=29
